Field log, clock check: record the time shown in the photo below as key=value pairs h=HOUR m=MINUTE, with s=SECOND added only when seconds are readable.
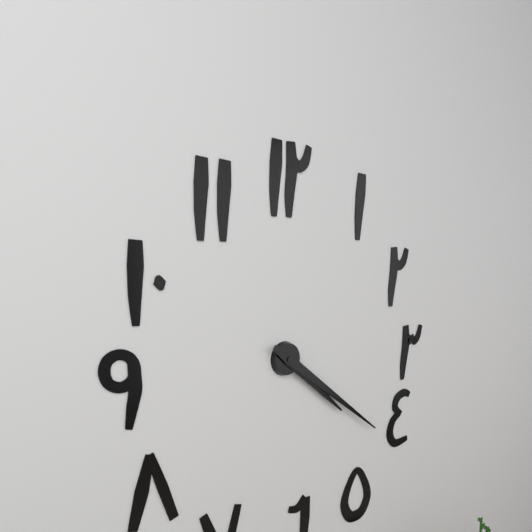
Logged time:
h=4 m=21
